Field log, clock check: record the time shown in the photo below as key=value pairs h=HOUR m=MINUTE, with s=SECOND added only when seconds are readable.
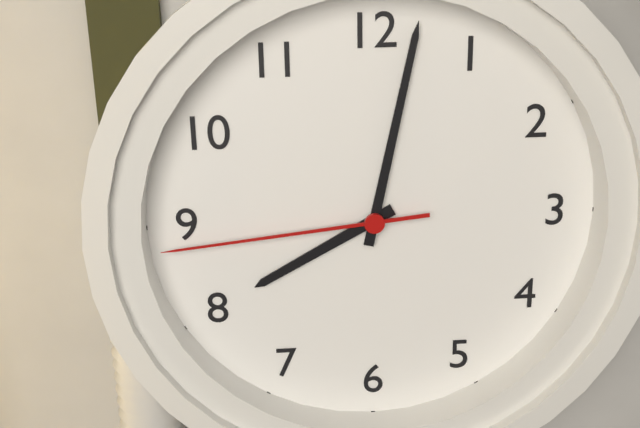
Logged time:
h=8 m=2 s=44
